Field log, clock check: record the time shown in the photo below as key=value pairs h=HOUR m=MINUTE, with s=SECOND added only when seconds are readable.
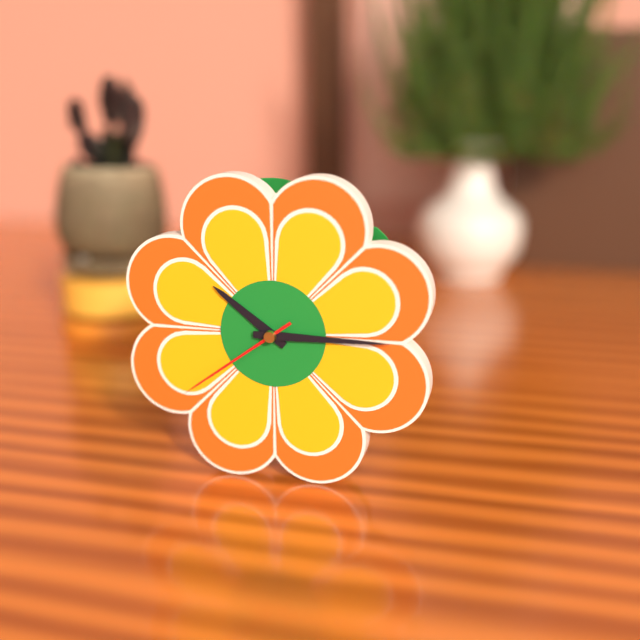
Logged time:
h=10 m=15 s=39
